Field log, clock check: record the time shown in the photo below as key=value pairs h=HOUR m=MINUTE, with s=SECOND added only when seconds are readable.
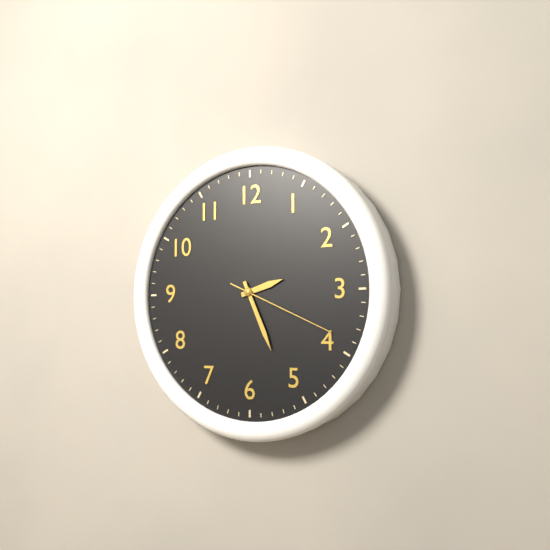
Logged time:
h=2 m=26 s=19
